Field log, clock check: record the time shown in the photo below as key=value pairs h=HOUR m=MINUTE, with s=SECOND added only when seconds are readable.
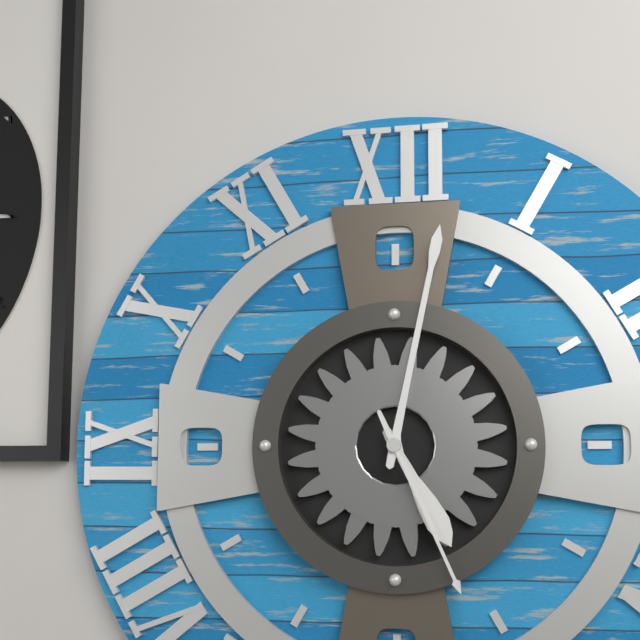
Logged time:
h=5 m=2 s=26
